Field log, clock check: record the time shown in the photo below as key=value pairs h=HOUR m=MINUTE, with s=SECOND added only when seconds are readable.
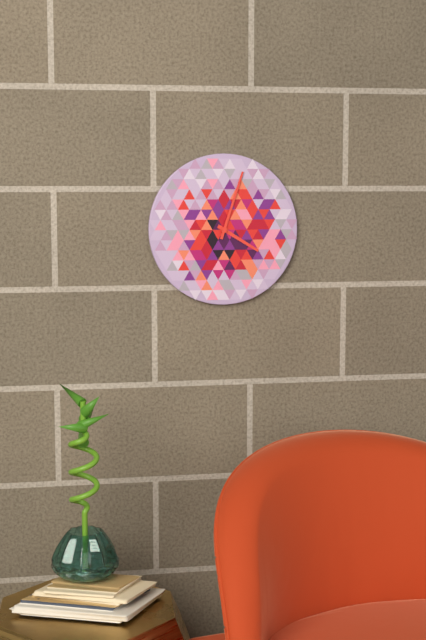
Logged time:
h=4 m=3
